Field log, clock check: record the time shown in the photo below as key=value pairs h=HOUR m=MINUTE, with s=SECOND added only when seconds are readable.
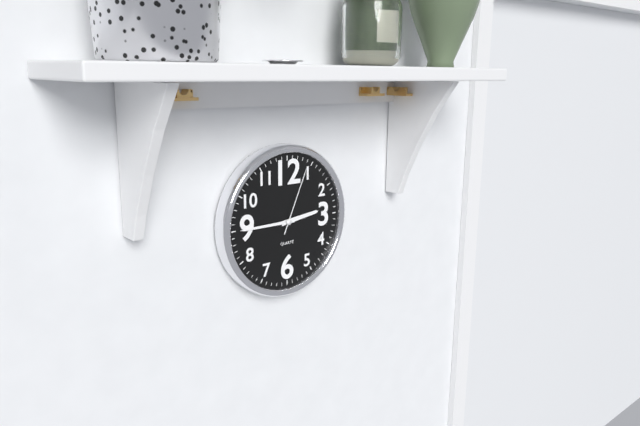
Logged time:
h=2 m=45 s=4
